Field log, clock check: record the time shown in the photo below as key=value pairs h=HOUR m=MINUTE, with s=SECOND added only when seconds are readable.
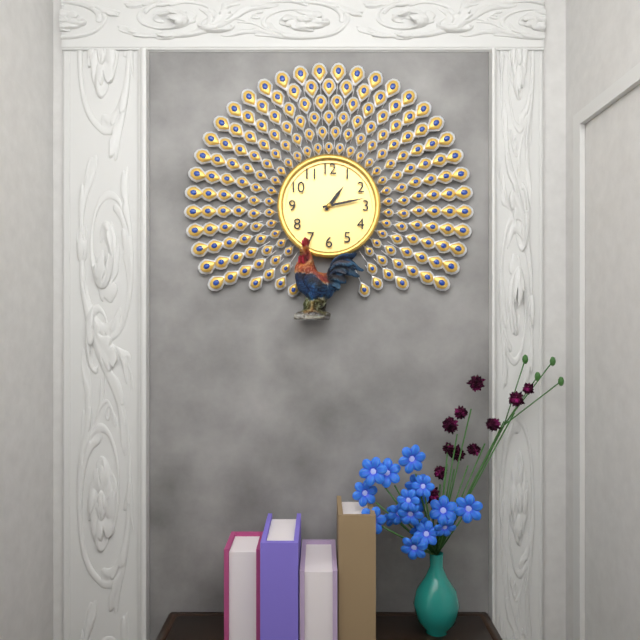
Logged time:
h=1 m=13
